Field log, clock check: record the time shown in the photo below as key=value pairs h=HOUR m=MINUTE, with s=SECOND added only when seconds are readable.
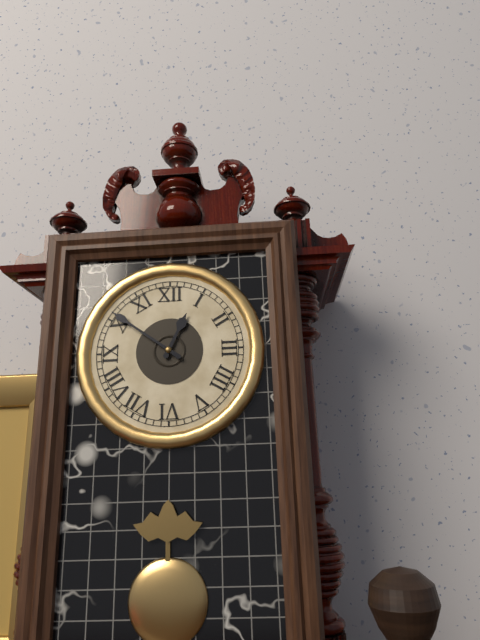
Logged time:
h=12 m=51
